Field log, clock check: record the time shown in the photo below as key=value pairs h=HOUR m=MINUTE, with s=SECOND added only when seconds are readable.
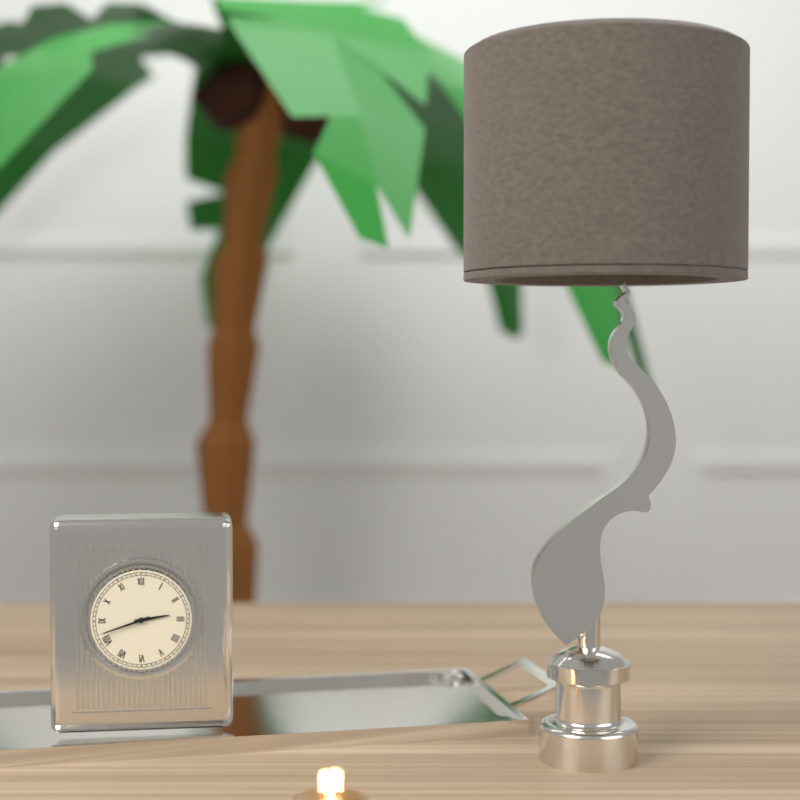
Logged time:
h=2 m=42
